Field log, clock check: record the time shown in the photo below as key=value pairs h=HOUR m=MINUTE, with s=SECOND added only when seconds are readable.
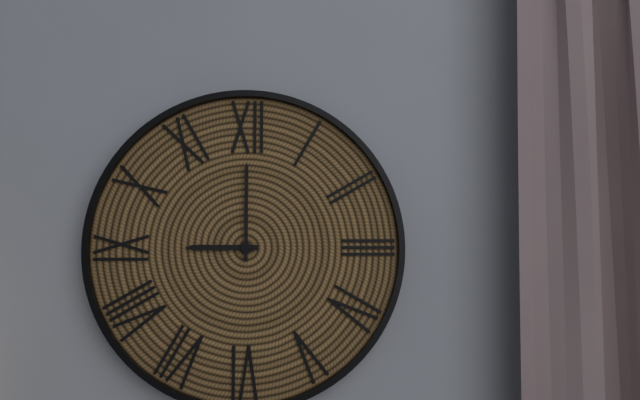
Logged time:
h=9 m=0
